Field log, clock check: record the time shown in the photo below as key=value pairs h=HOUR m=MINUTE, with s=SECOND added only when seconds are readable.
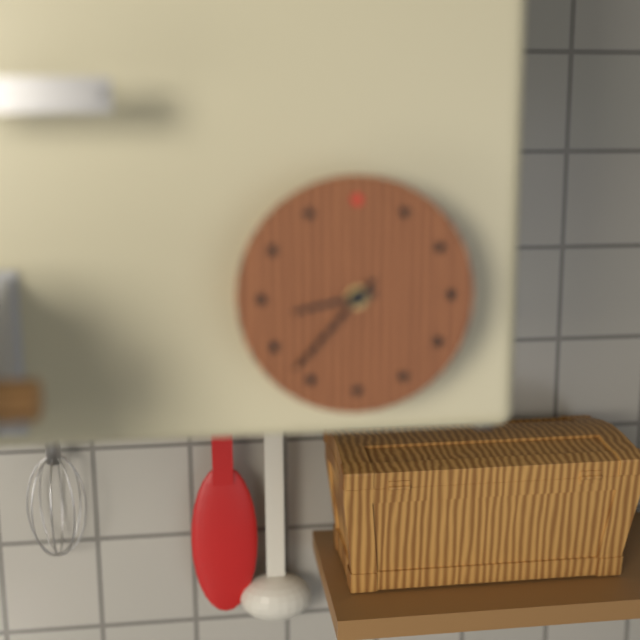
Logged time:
h=8 m=37
